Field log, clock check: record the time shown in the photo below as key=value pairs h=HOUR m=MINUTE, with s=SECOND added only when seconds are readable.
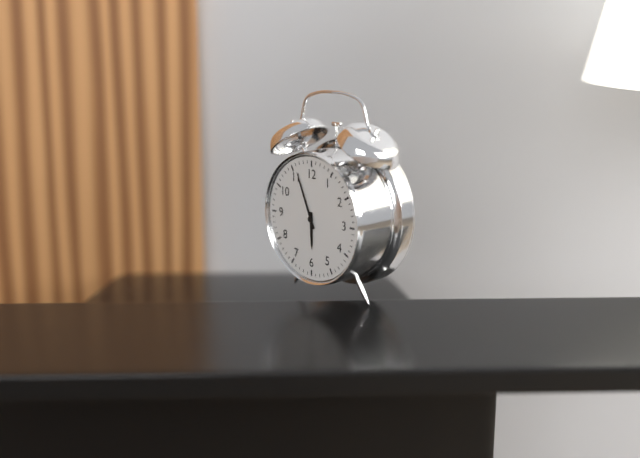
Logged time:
h=5 m=56
